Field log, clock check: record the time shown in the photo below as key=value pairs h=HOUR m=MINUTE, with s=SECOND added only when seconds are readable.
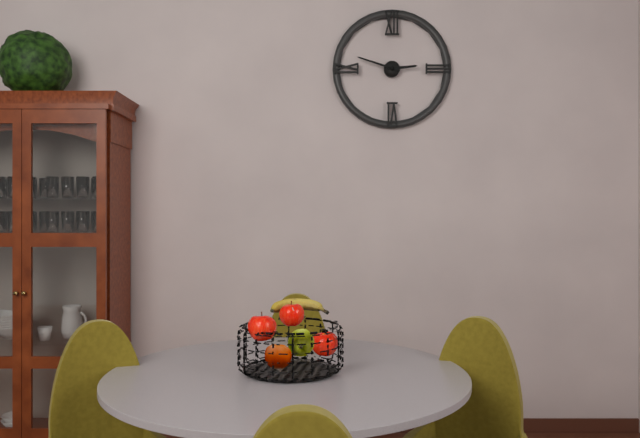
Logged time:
h=2 m=48
